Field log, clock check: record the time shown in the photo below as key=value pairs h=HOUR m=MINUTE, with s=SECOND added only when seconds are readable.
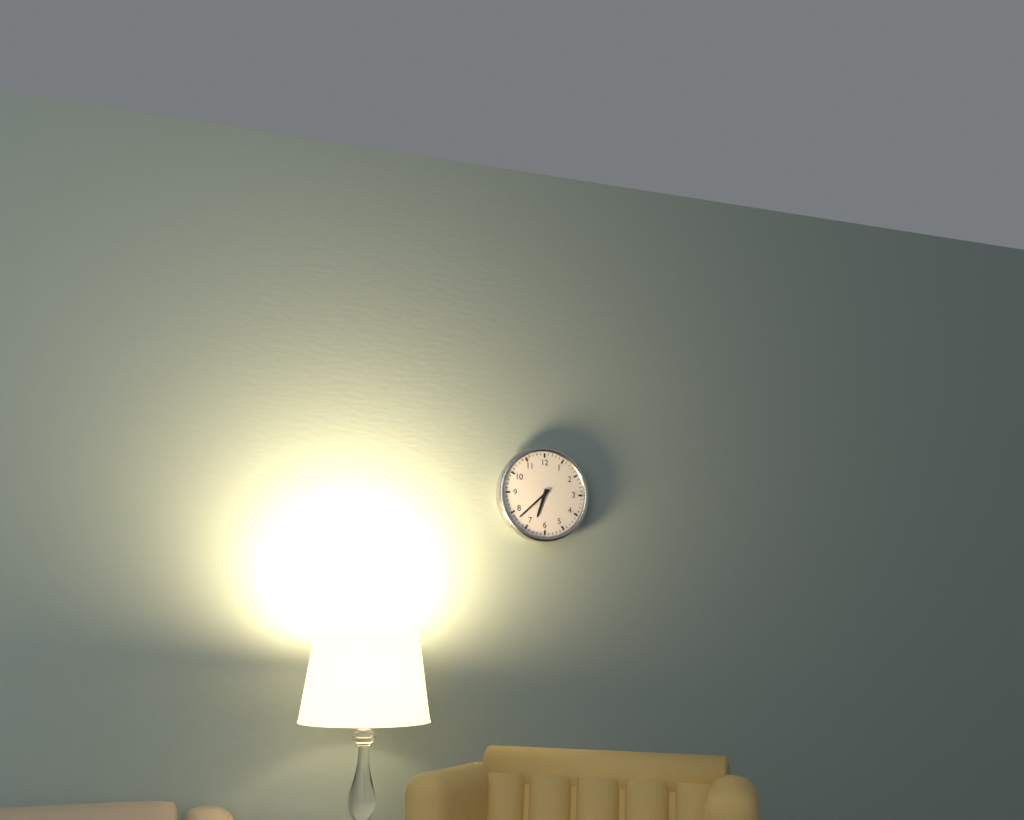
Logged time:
h=6 m=38
